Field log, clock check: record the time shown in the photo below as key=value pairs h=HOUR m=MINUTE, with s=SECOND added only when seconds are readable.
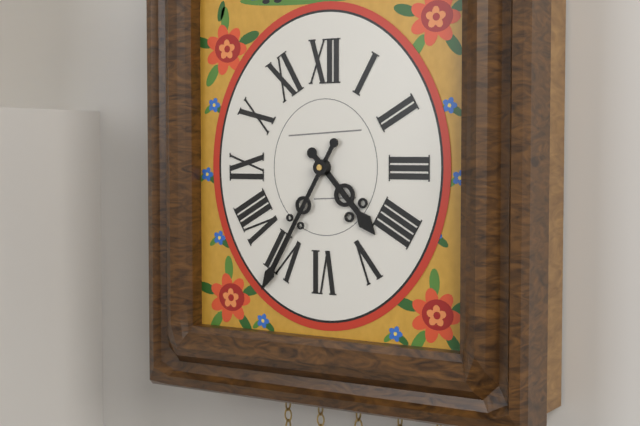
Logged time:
h=4 m=35
